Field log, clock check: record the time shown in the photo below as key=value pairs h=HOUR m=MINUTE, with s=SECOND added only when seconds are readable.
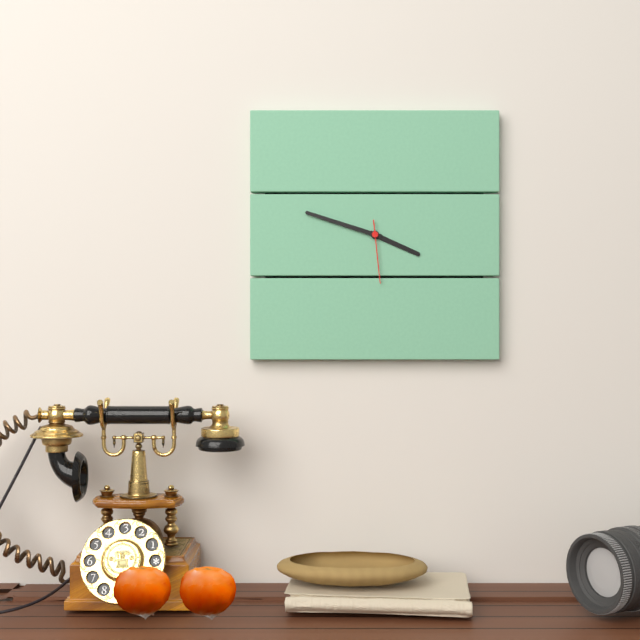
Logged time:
h=3 m=48 s=29
